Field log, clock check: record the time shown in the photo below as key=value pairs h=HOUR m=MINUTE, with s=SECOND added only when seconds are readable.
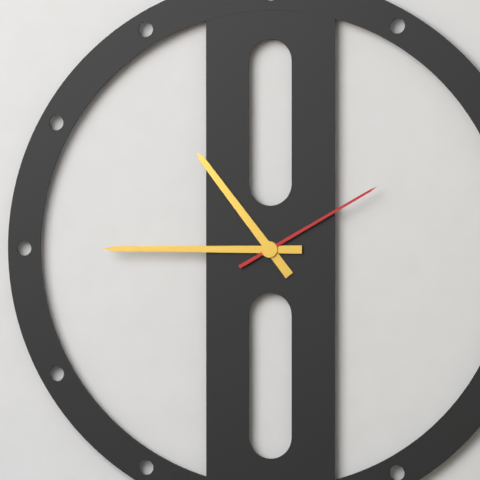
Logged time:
h=10 m=45 s=10
